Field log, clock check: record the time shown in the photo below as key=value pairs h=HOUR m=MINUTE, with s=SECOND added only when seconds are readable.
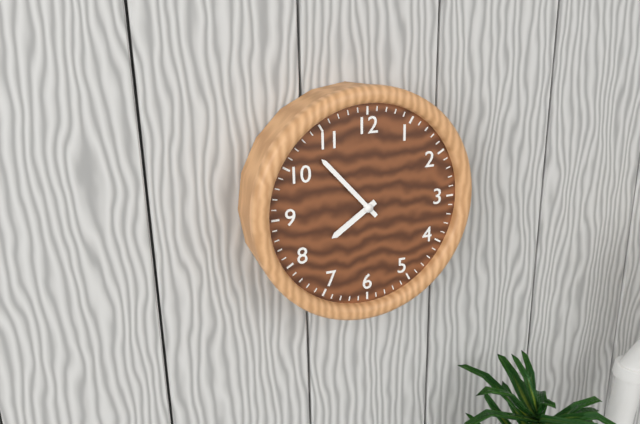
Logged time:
h=7 m=53
